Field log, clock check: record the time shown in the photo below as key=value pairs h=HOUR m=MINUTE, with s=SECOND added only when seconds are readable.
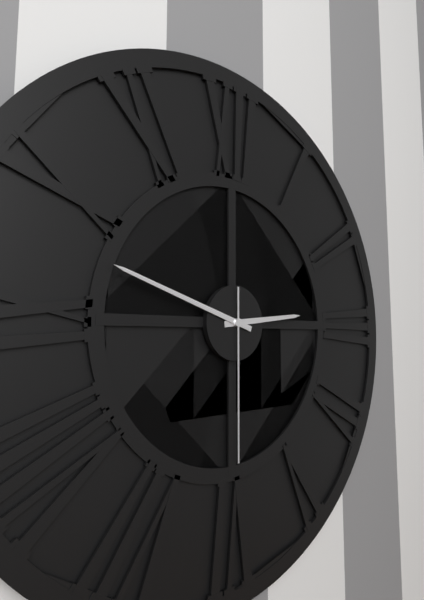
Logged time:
h=2 m=48 s=30
